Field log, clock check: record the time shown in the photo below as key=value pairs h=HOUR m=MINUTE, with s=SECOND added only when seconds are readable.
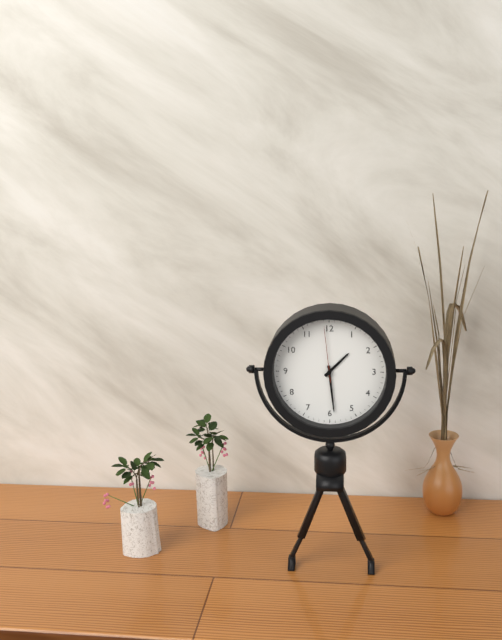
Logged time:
h=1 m=29 s=59
